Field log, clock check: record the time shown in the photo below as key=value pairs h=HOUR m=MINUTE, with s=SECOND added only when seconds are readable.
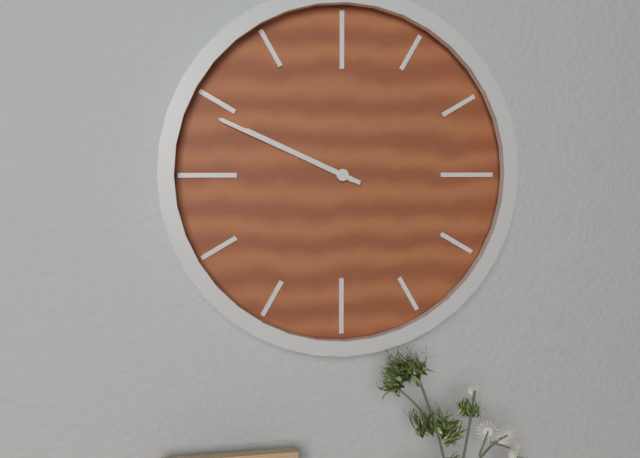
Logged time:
h=9 m=49
